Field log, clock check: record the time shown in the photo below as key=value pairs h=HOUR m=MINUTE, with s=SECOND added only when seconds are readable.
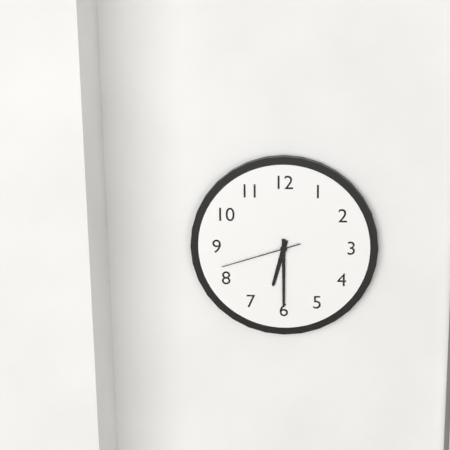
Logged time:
h=6 m=30 s=42
